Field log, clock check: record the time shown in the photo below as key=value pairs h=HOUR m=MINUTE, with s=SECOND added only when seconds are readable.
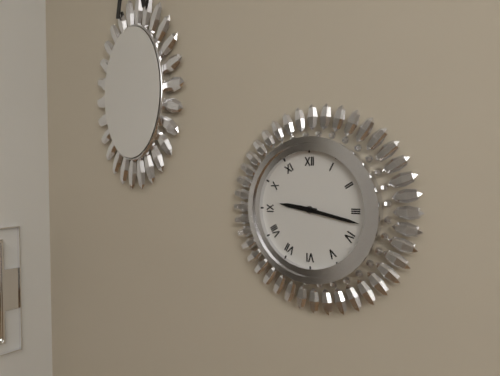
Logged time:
h=9 m=17
